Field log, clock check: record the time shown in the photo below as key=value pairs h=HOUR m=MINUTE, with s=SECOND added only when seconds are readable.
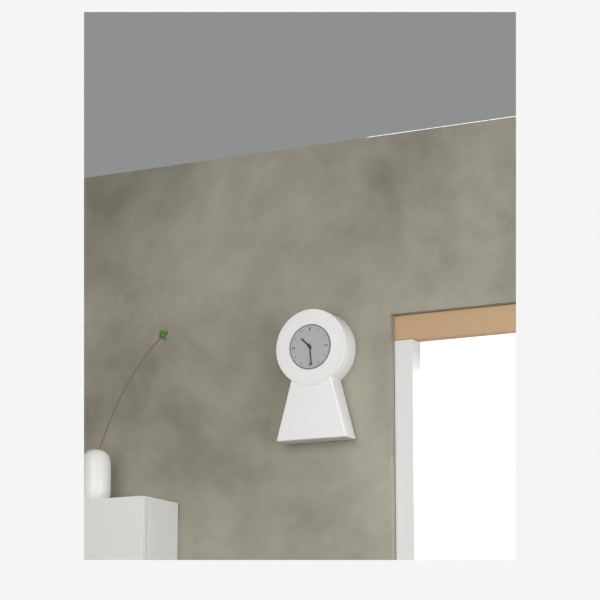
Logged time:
h=10 m=29
